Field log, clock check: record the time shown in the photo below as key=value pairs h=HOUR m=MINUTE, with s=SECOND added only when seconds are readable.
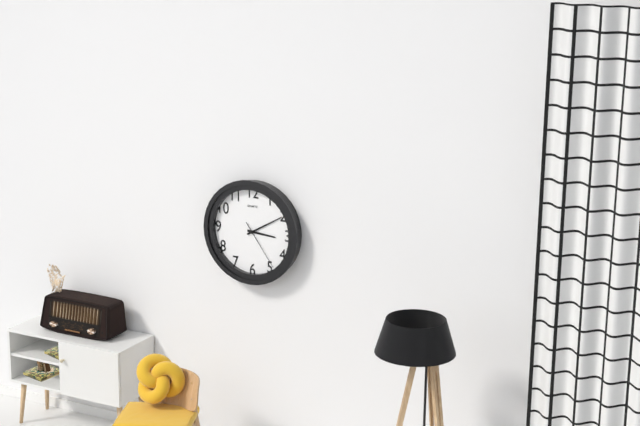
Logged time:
h=3 m=10 s=24
